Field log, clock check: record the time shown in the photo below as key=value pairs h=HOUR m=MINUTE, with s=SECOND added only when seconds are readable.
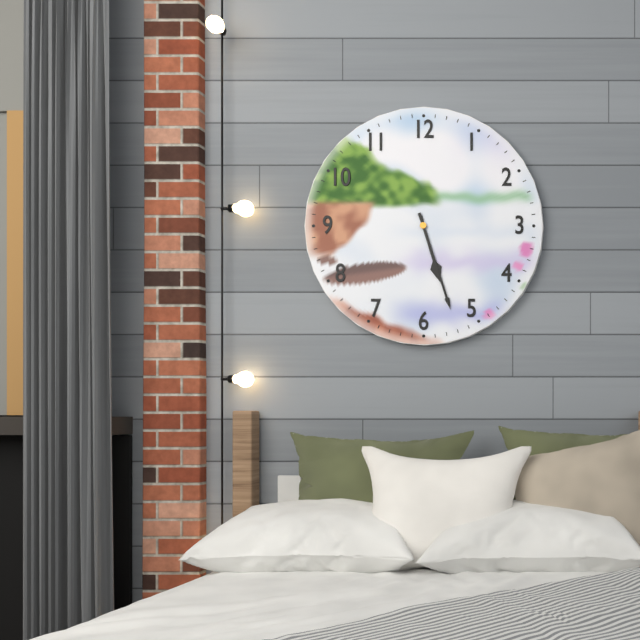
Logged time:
h=5 m=27
